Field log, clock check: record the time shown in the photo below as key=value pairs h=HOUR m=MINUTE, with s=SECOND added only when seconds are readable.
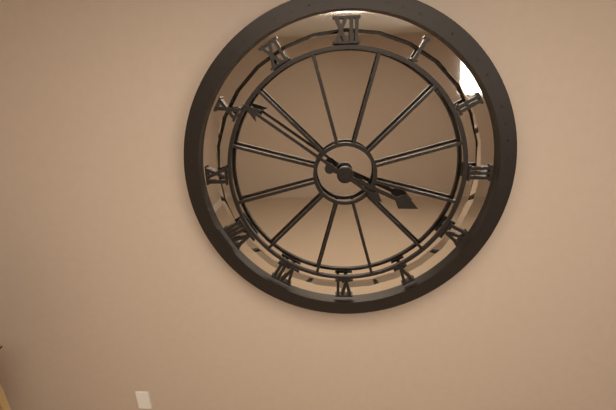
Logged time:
h=3 m=51
